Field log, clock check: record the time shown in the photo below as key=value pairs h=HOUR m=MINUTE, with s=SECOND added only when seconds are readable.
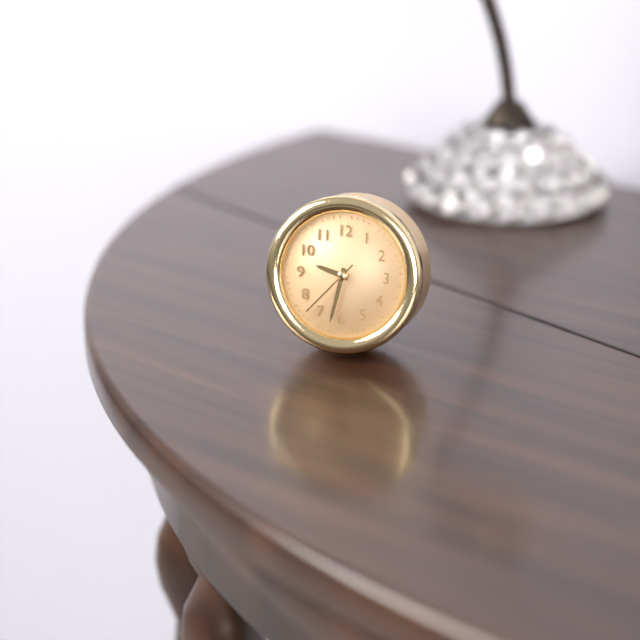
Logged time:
h=9 m=32 s=37
